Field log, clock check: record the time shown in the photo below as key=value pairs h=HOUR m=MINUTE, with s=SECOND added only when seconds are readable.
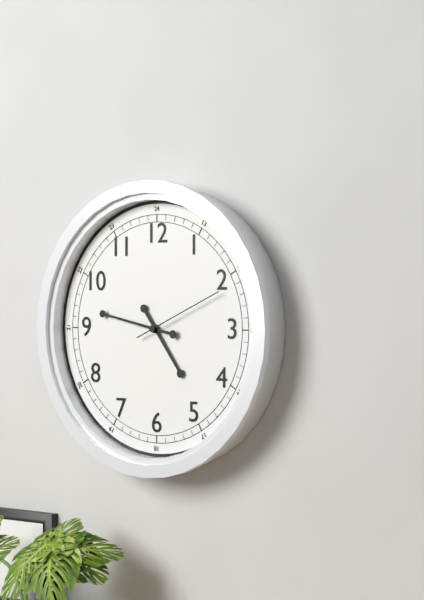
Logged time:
h=4 m=47 s=11
